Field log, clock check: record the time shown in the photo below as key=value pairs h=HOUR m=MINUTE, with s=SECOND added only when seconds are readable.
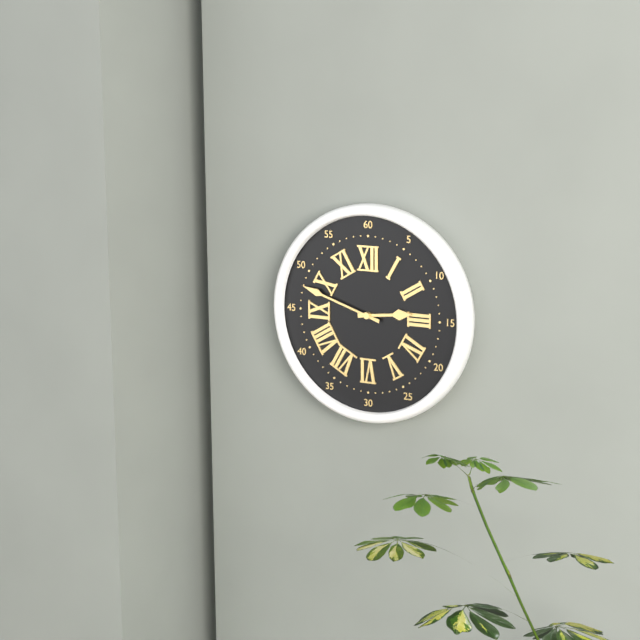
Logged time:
h=2 m=48
